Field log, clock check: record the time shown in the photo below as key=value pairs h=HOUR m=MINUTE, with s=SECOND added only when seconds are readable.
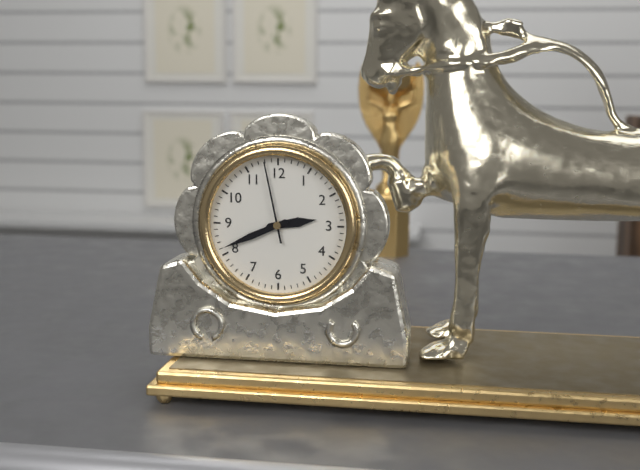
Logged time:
h=2 m=41 s=58
